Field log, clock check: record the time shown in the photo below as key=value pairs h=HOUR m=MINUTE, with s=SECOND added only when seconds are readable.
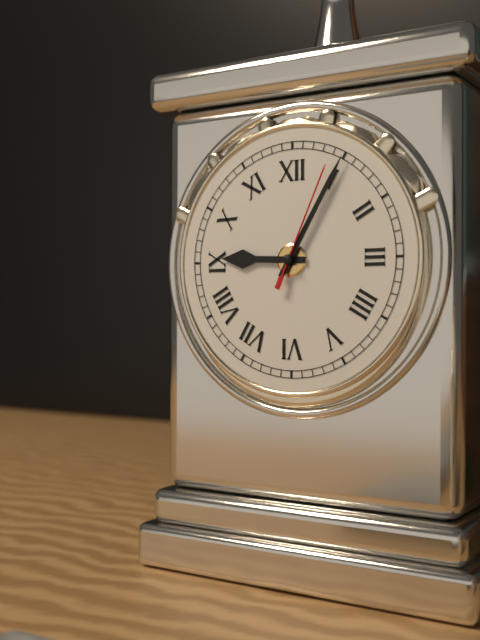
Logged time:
h=9 m=5 s=4
